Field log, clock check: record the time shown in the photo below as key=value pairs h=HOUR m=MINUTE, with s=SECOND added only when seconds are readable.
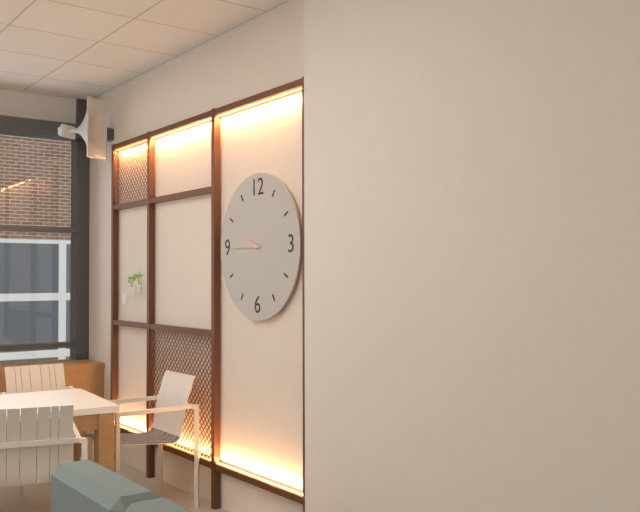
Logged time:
h=9 m=45
